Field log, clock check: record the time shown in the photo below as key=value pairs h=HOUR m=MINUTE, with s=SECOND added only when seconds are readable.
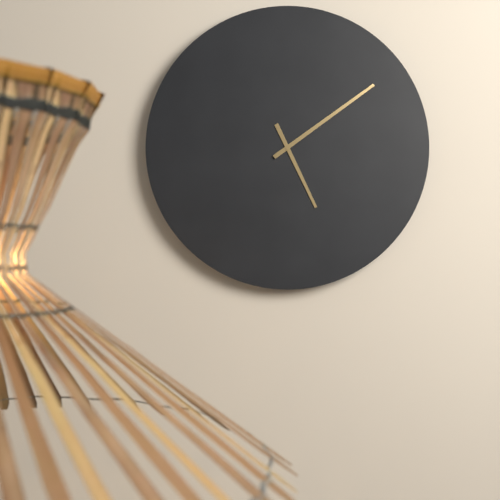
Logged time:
h=5 m=9
